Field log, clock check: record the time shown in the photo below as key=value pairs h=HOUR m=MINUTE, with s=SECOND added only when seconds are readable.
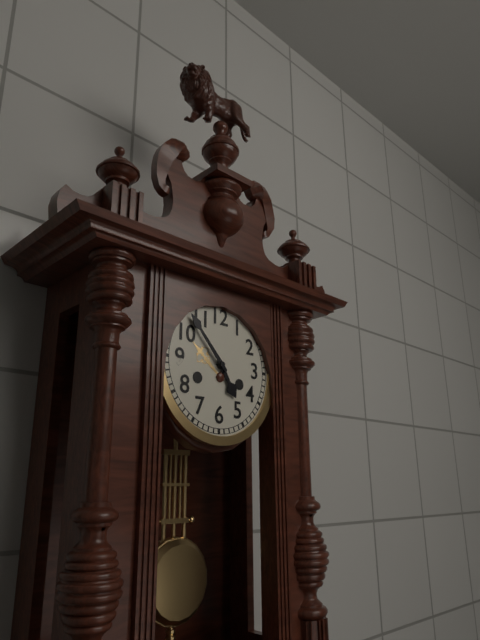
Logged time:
h=4 m=53
